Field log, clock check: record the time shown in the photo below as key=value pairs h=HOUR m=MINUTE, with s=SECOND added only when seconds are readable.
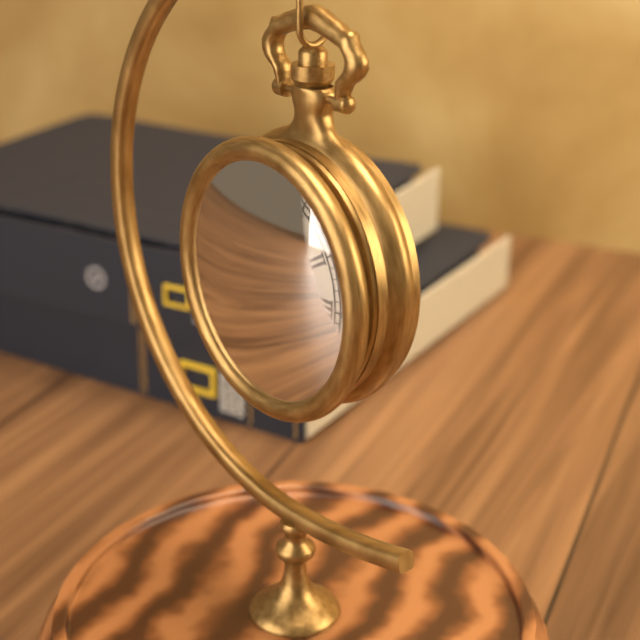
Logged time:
h=5 m=45 s=5
